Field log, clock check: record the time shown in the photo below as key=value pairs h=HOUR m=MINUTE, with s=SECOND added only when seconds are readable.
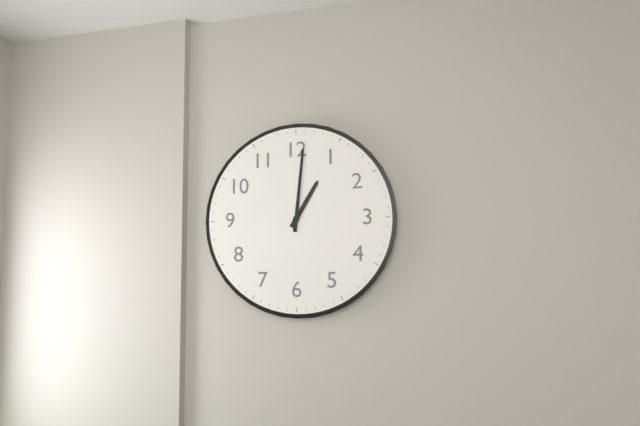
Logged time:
h=1 m=1
